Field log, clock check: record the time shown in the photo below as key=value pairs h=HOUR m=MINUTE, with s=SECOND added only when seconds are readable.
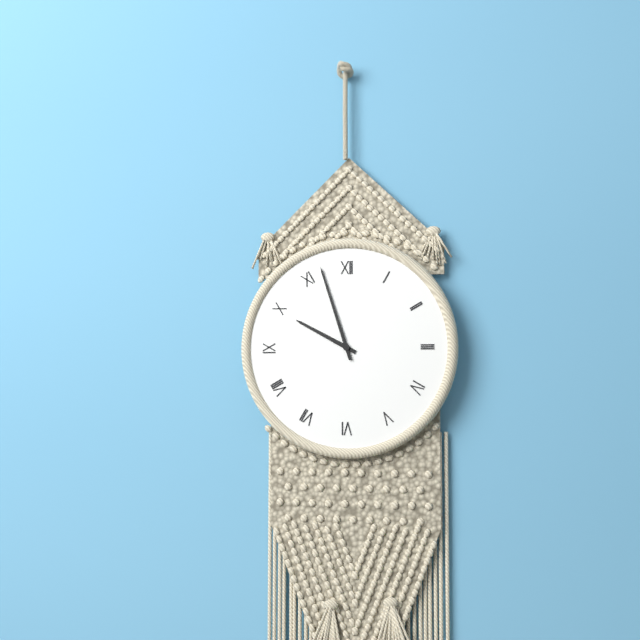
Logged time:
h=9 m=57
